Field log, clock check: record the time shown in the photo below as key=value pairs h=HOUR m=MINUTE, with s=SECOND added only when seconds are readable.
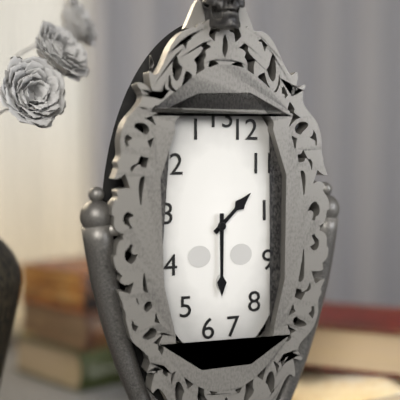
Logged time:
h=1 m=30
